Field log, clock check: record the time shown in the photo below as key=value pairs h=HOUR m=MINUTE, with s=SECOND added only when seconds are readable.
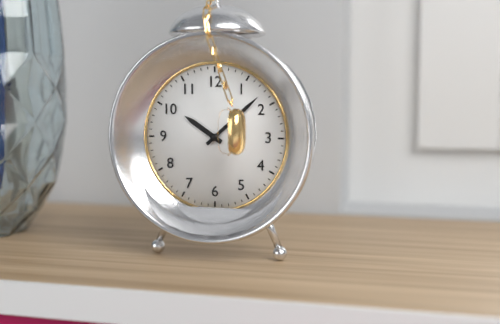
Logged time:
h=10 m=8
